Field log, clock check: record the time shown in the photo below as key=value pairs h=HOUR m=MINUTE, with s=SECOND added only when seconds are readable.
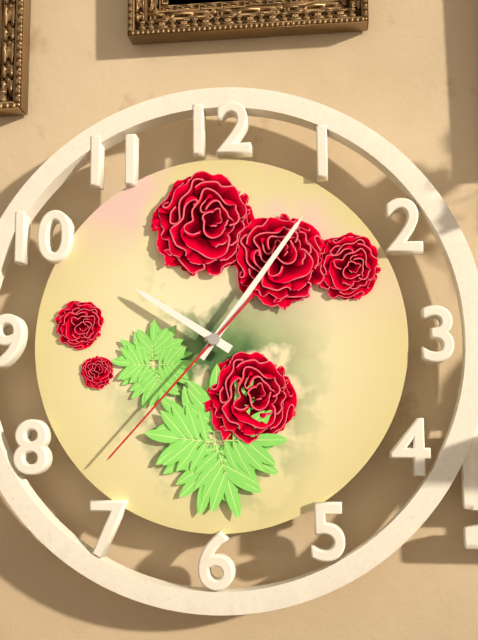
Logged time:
h=10 m=6 s=37
